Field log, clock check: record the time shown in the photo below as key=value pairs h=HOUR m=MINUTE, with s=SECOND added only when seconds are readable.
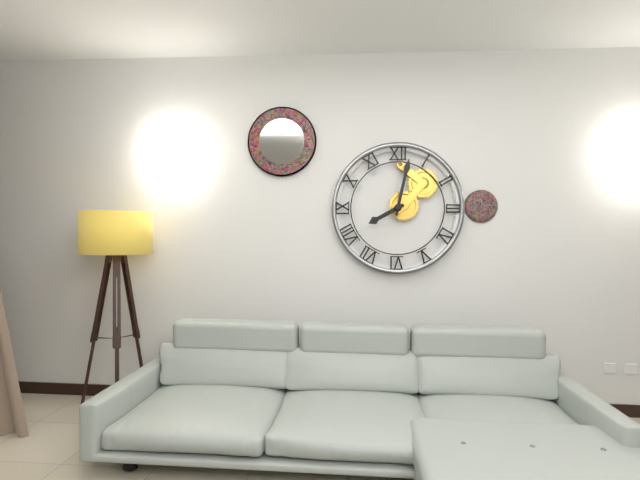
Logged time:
h=8 m=2
